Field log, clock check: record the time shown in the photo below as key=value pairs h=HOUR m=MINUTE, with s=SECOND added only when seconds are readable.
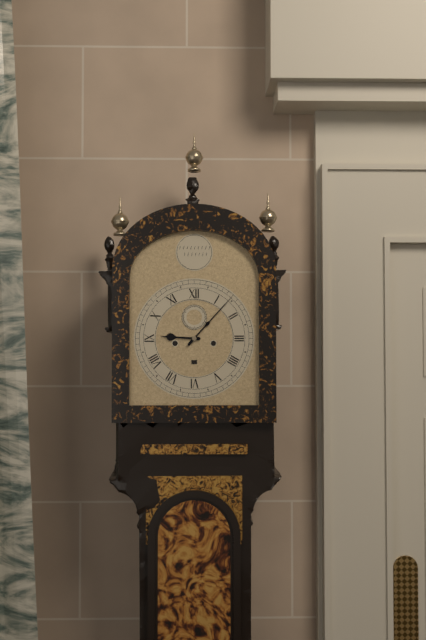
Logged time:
h=9 m=7
